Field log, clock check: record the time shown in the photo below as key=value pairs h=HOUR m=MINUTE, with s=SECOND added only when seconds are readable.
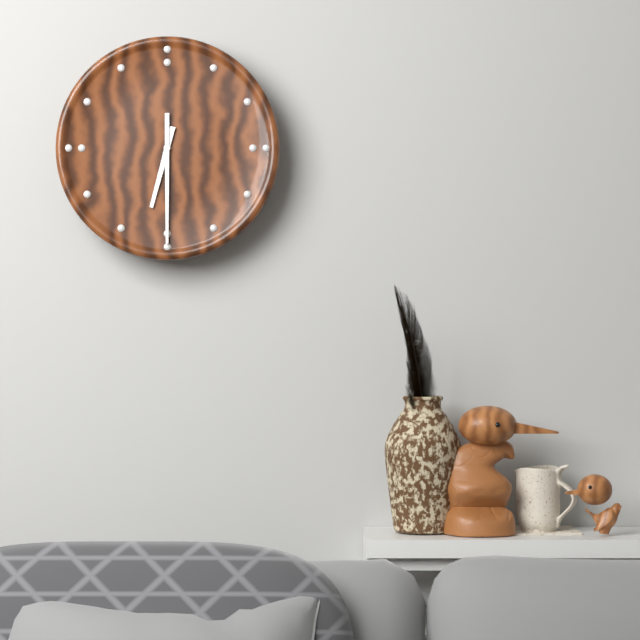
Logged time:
h=6 m=30
